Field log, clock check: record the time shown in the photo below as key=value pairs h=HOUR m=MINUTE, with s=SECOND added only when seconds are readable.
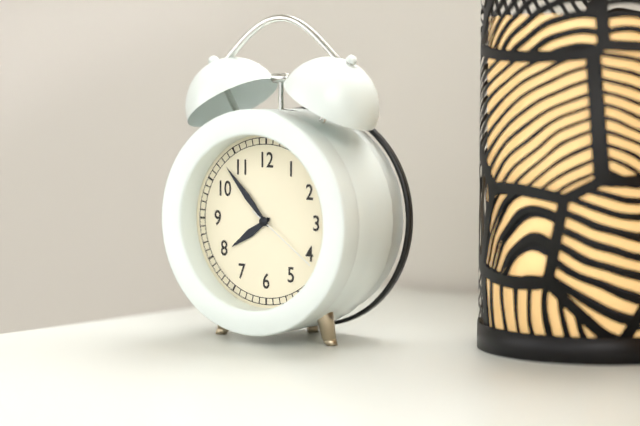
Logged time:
h=7 m=53 s=21
